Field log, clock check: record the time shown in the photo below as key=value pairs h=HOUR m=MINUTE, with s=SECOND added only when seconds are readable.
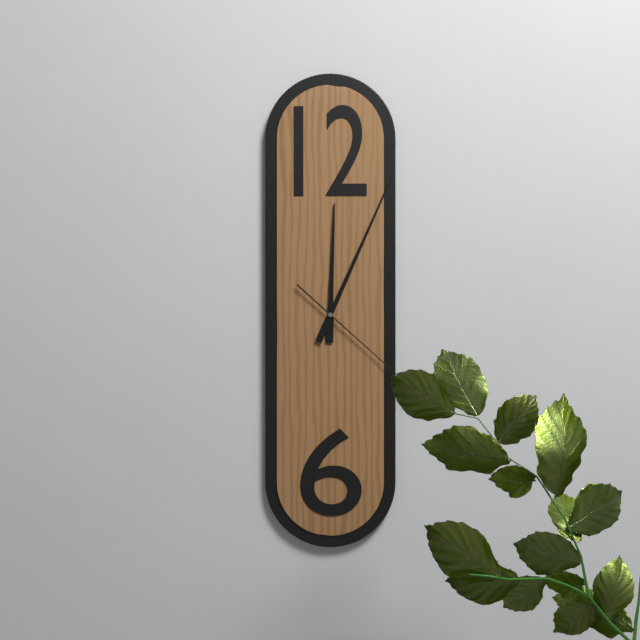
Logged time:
h=12 m=4 s=22
